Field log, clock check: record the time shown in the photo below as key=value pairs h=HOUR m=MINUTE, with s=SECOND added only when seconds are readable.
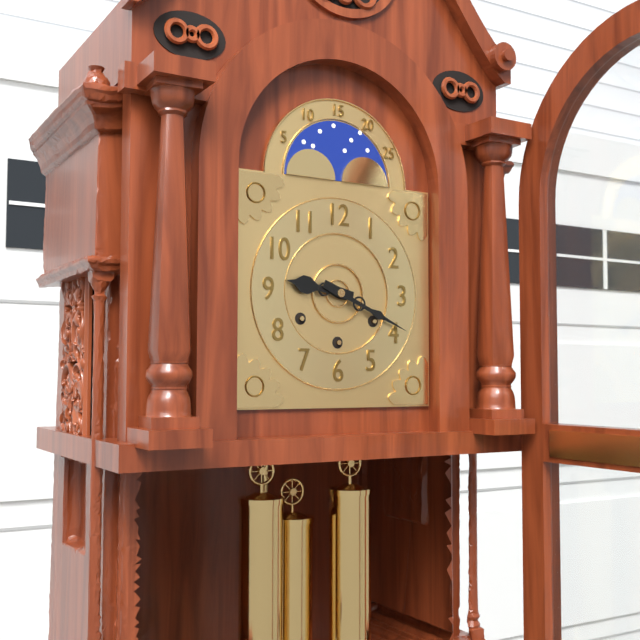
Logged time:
h=9 m=19
